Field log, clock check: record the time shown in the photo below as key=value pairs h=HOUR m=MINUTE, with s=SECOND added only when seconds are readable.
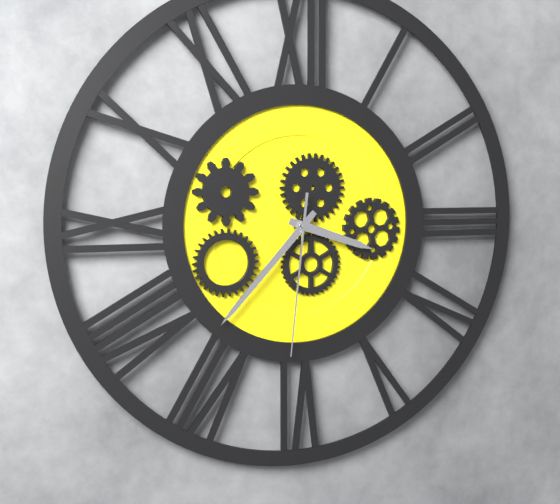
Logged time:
h=3 m=37 s=31
